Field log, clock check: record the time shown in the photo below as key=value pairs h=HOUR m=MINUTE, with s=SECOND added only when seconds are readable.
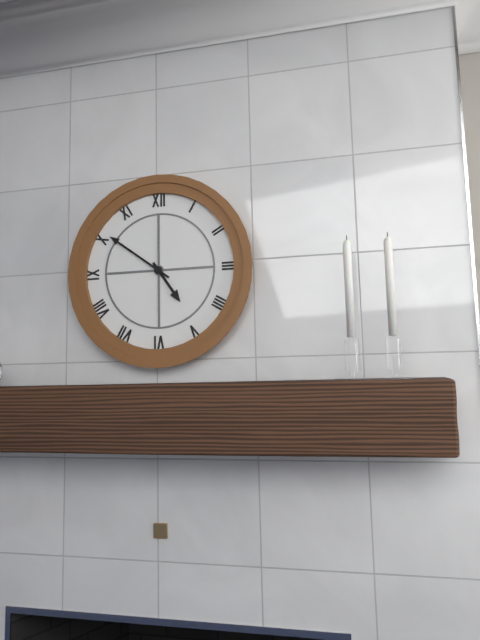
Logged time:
h=4 m=51
